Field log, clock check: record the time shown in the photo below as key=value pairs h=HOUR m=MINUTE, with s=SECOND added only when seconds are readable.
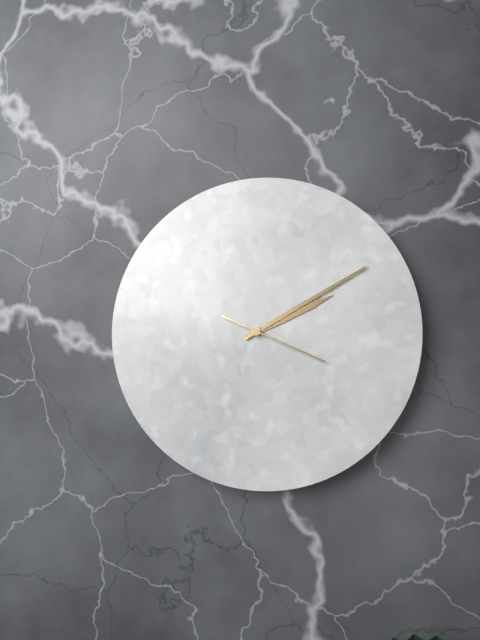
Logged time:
h=2 m=10 s=19
